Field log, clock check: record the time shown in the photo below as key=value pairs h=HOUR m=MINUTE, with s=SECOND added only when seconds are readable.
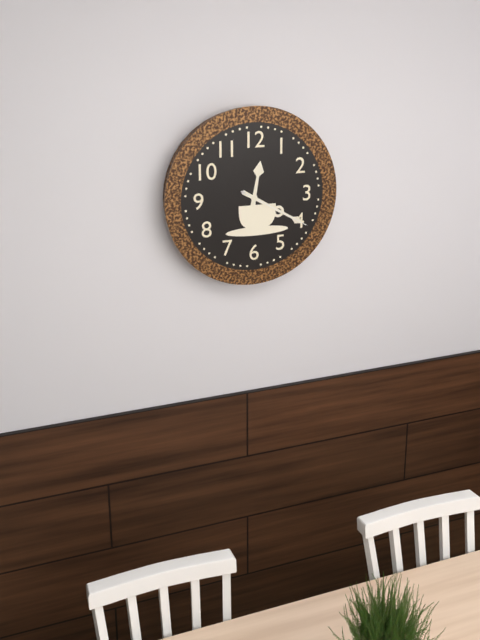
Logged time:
h=12 m=20 s=20
